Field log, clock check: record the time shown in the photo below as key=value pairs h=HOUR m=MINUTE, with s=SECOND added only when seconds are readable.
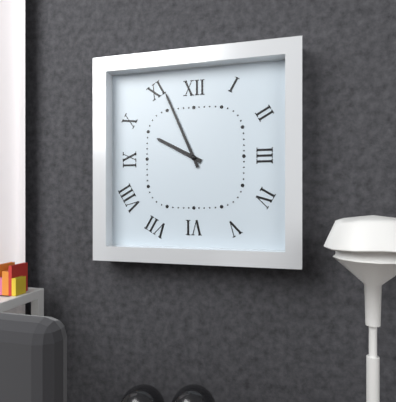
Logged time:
h=9 m=56
